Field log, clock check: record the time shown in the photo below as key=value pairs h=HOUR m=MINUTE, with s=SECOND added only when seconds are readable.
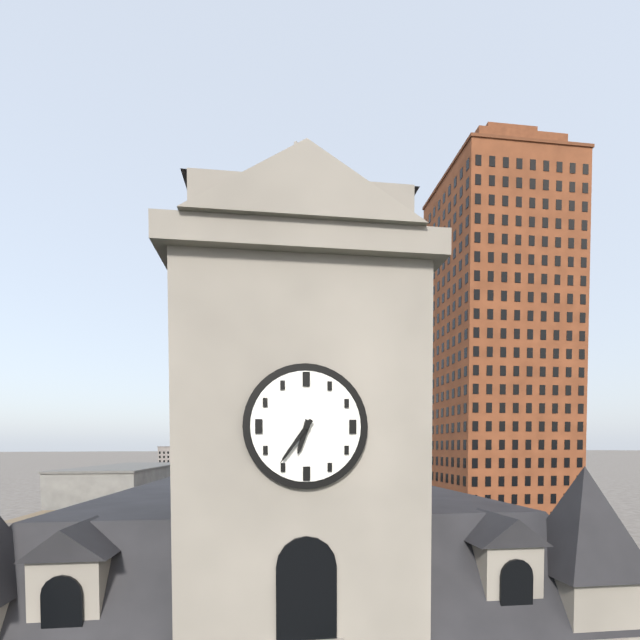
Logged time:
h=6 m=36
